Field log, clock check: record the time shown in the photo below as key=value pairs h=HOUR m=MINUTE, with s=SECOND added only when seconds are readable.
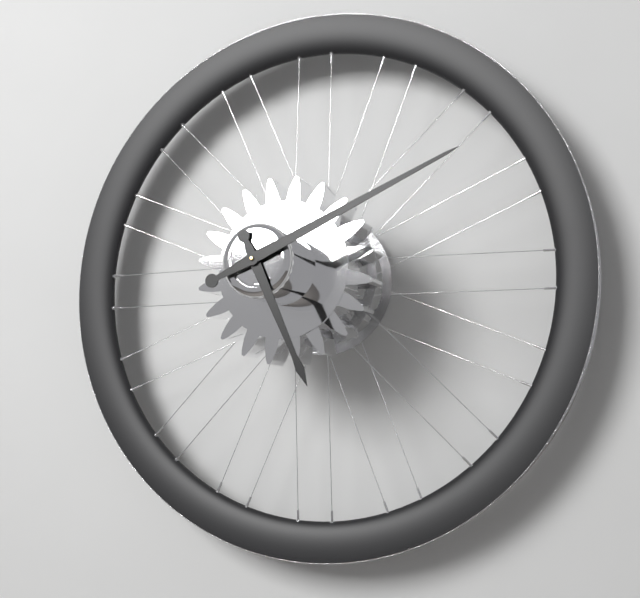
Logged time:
h=5 m=11
